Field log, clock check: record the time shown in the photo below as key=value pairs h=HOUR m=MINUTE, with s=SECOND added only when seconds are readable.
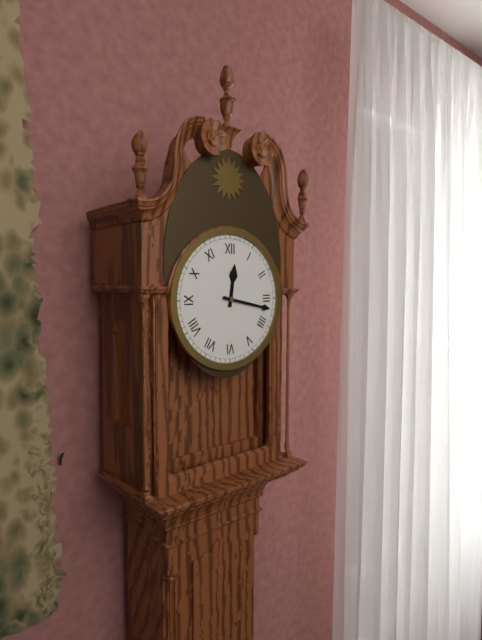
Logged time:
h=12 m=17
